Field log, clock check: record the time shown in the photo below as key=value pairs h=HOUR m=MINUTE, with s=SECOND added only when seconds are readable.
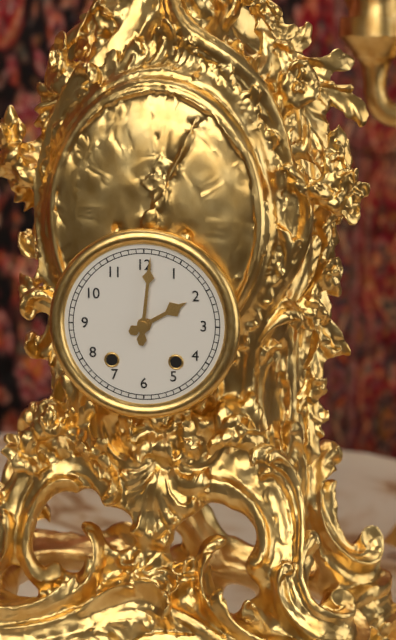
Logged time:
h=2 m=1
